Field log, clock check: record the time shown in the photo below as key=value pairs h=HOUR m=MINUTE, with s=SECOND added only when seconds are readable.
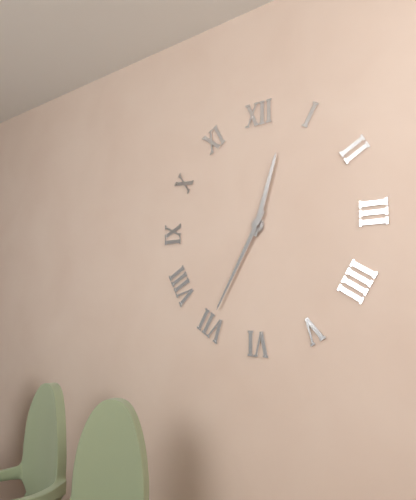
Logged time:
h=12 m=35
